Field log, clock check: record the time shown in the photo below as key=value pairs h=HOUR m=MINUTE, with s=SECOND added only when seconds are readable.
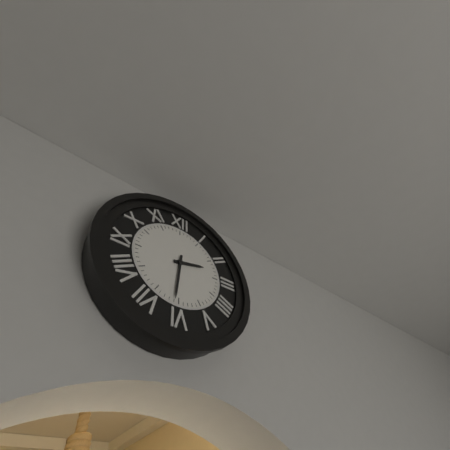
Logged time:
h=2 m=31
